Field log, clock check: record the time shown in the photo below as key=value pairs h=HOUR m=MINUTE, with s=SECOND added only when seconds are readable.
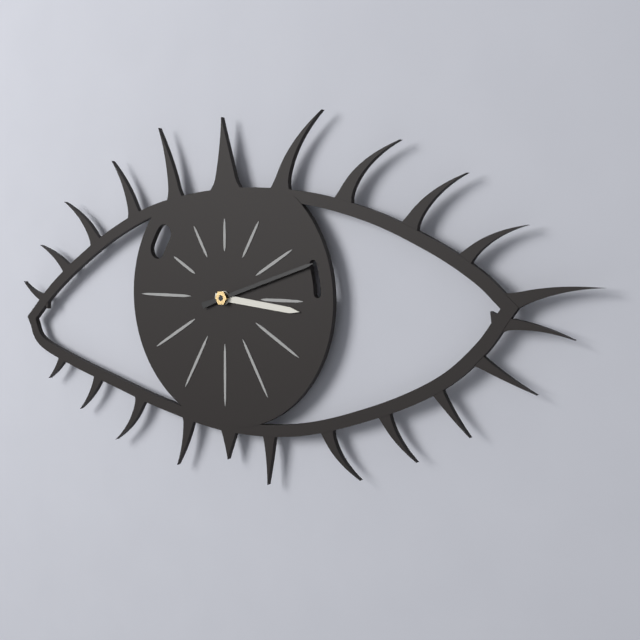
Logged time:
h=3 m=12
